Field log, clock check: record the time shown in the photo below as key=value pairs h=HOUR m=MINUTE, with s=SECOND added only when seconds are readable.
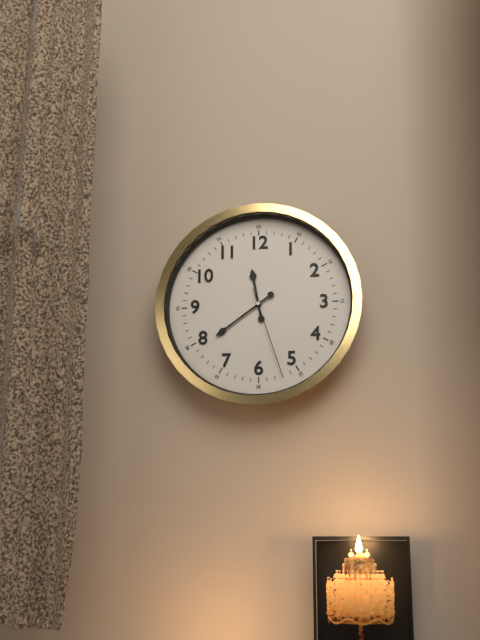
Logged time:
h=11 m=39 s=27
